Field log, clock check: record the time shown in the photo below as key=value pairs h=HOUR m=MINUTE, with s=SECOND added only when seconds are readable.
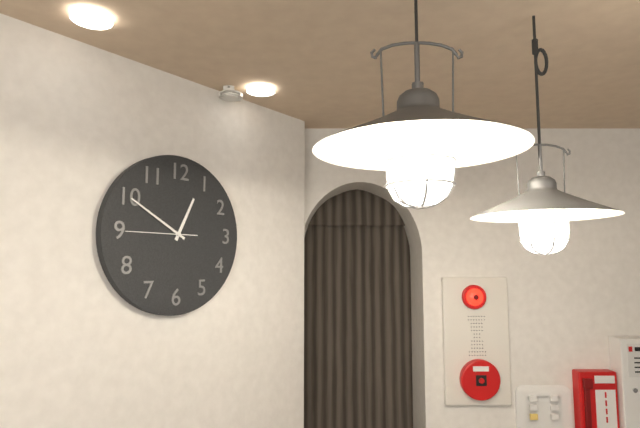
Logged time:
h=12 m=50 s=45
